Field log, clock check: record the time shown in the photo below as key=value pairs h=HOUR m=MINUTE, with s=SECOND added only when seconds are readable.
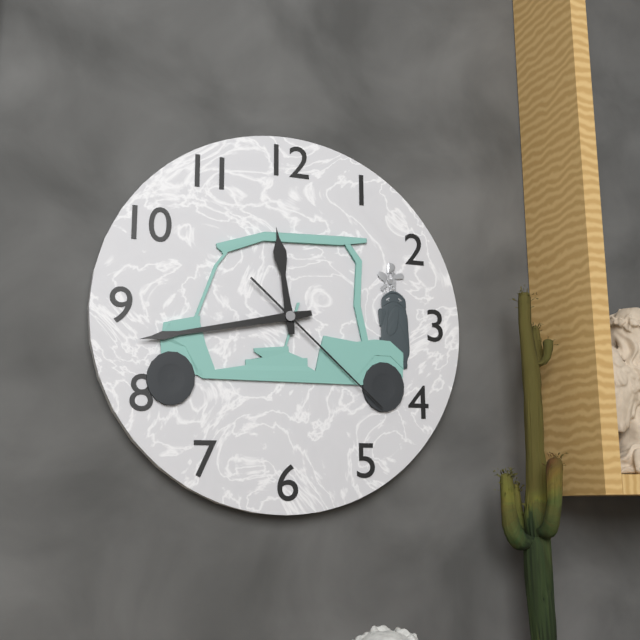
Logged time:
h=11 m=43 s=22
